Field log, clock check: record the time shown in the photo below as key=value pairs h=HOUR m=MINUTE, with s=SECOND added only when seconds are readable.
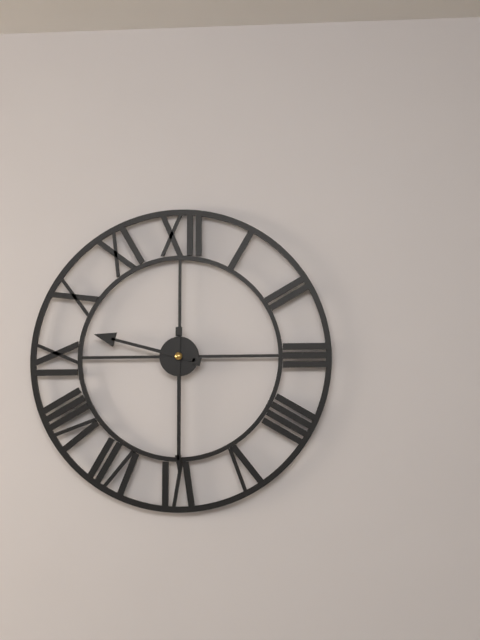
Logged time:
h=9 m=30
